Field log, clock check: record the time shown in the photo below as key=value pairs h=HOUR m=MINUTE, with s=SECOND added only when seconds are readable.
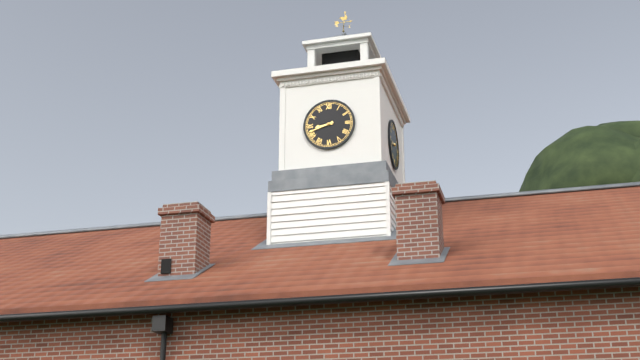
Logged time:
h=8 m=42
